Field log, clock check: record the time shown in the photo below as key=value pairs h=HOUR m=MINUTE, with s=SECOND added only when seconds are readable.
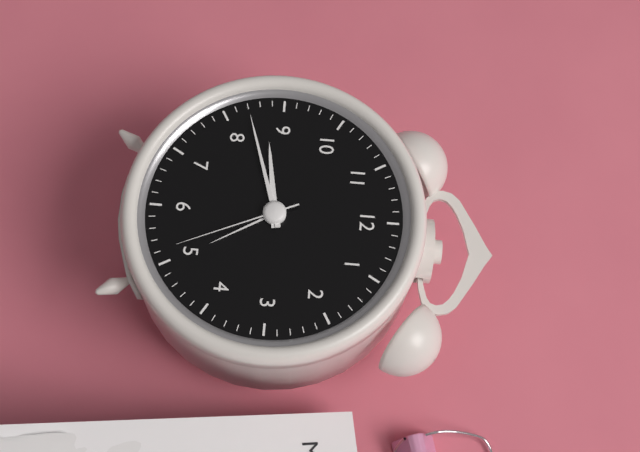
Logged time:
h=8 m=42 s=26
